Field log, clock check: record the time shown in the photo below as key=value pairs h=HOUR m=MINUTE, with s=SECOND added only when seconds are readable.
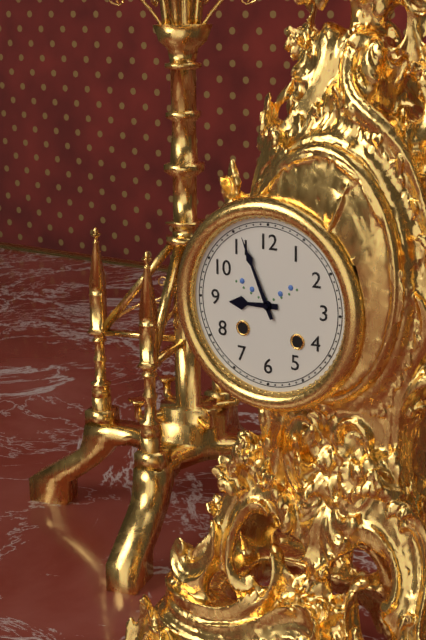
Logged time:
h=8 m=56
